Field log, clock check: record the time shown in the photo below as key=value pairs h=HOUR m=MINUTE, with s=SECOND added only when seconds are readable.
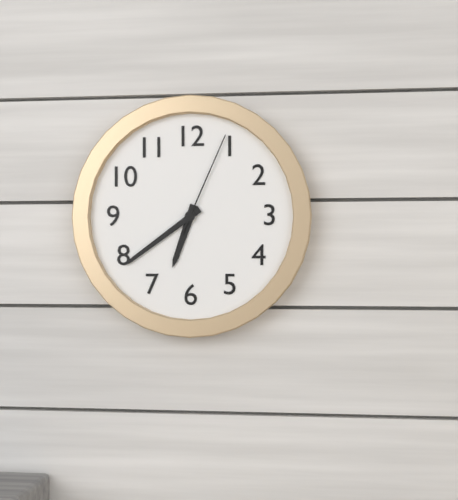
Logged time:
h=6 m=39 s=4
